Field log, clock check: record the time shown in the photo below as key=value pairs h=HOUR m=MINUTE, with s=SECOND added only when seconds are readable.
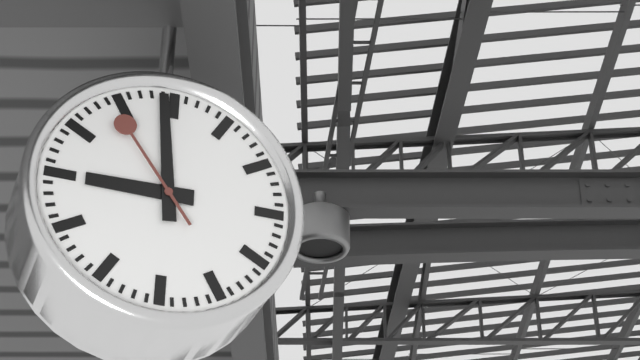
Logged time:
h=8 m=59 s=54
